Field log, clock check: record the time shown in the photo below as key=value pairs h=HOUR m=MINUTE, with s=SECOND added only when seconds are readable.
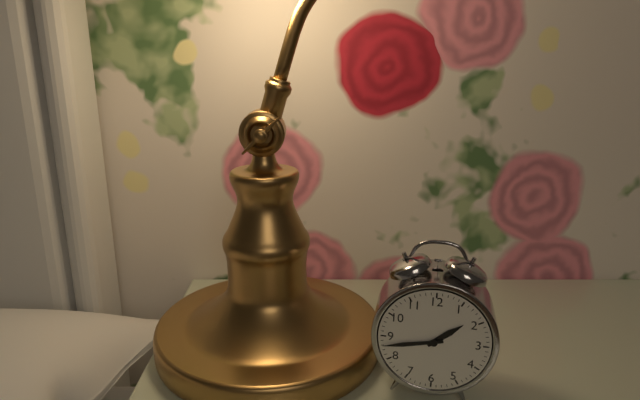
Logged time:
h=1 m=43
